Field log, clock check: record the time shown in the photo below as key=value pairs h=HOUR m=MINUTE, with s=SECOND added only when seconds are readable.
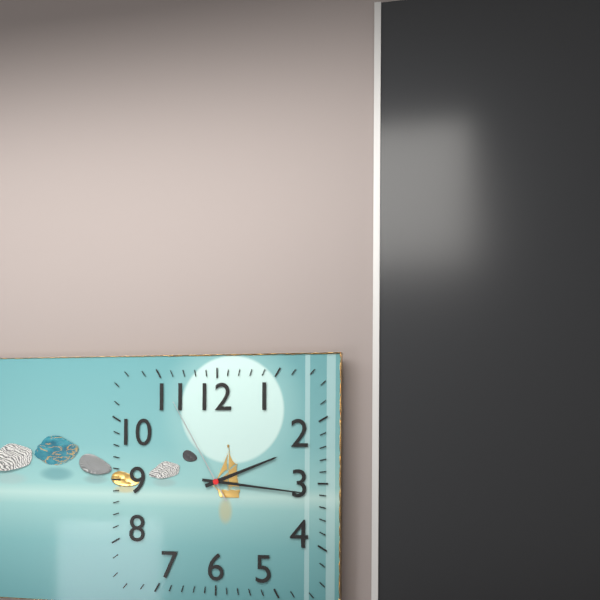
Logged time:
h=2 m=16 s=55
